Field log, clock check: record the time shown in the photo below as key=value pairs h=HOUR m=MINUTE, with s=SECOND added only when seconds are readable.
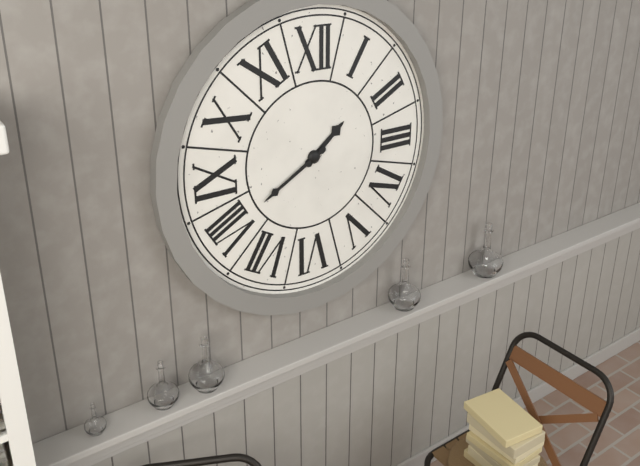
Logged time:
h=1 m=40
